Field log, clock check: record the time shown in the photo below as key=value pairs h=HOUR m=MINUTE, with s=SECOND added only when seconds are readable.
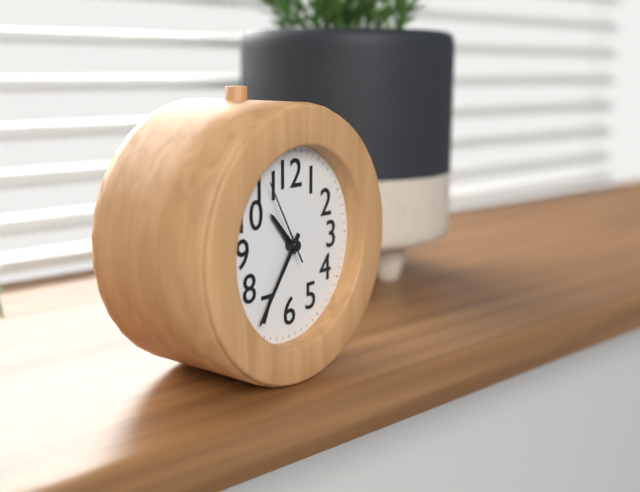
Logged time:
h=10 m=36 s=55
